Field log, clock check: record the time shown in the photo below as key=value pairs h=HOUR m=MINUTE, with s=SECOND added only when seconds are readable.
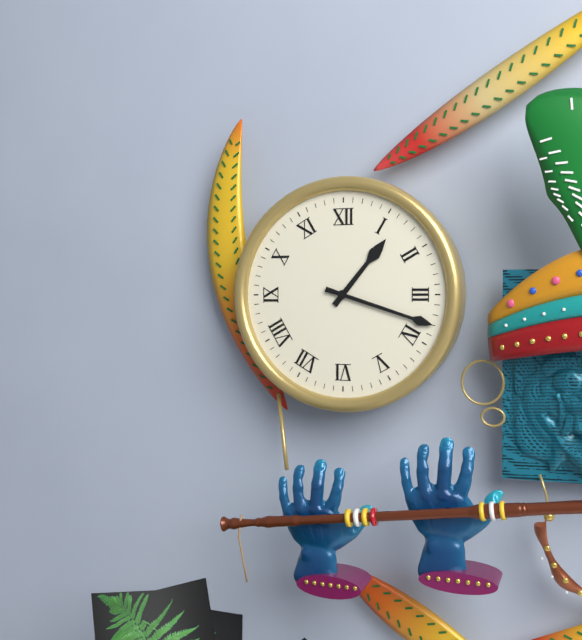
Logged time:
h=1 m=18
